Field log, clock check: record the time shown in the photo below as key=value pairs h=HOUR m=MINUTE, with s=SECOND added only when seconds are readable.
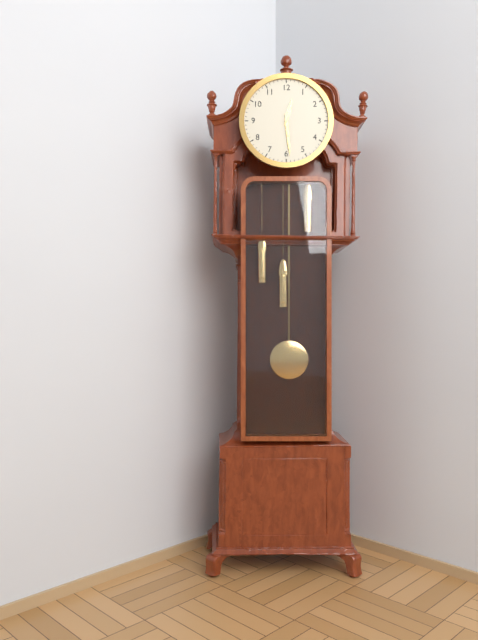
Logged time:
h=12 m=29
